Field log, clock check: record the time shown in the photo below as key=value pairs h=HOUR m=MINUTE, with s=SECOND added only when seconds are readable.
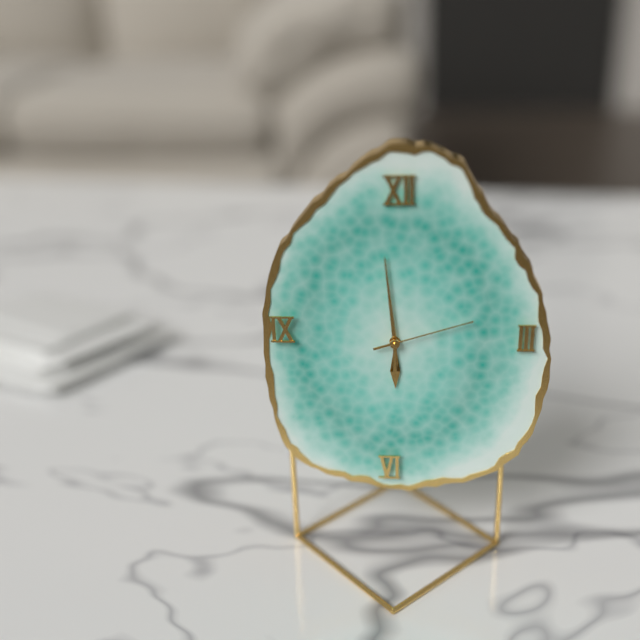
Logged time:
h=5 m=59 s=12
